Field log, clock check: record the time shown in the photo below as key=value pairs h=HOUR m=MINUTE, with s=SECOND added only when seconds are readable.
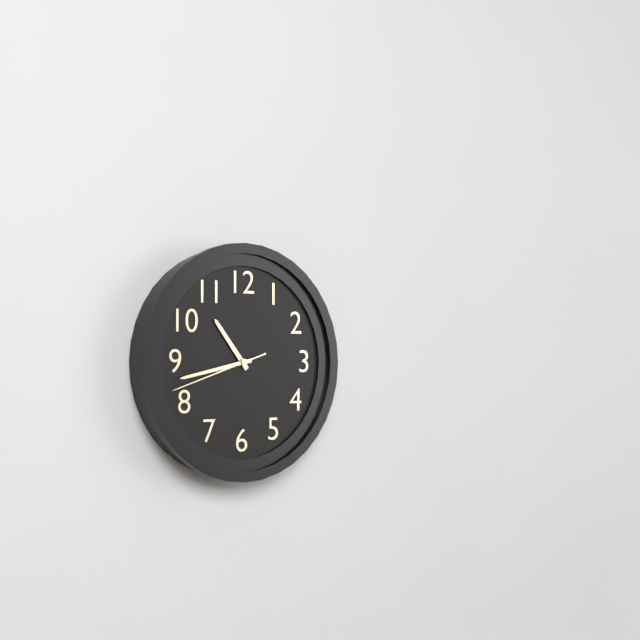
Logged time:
h=10 m=43 s=42
